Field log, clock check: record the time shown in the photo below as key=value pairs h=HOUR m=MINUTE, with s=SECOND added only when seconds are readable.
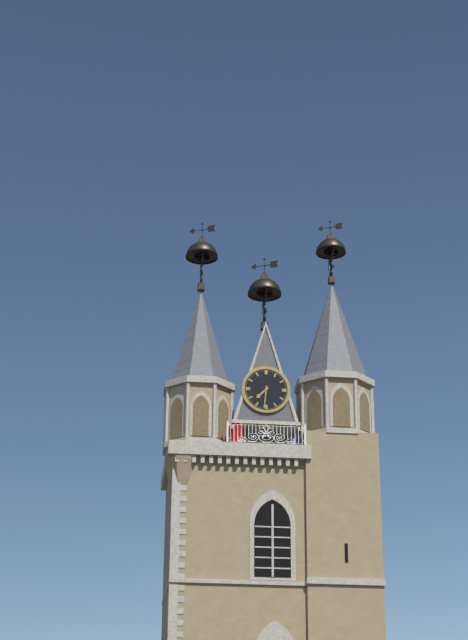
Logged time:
h=7 m=31
